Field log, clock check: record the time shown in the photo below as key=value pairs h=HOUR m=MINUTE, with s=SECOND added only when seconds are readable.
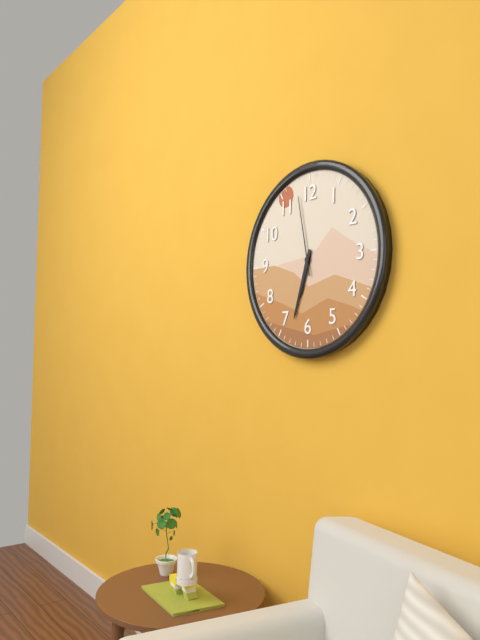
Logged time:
h=6 m=33 s=58
